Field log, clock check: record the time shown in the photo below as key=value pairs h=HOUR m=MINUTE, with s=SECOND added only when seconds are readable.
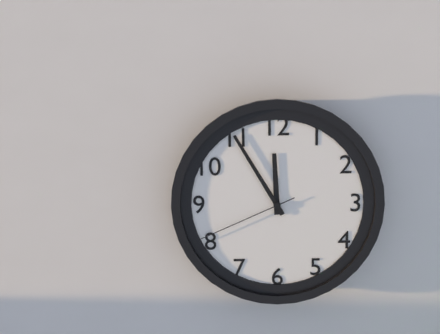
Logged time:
h=11 m=55 s=41
